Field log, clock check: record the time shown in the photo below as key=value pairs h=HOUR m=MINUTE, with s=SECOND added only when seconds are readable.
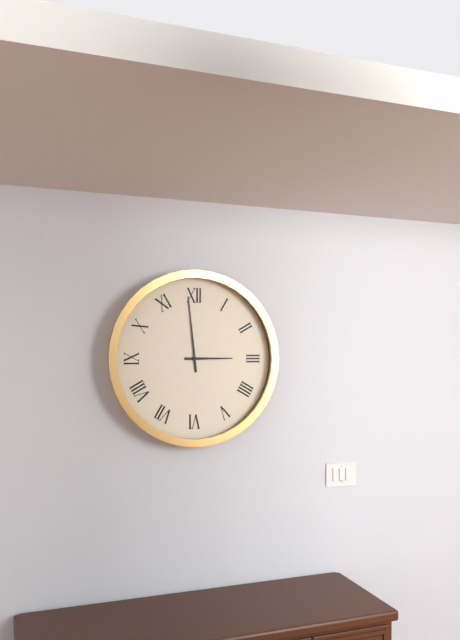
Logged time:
h=2 m=59
